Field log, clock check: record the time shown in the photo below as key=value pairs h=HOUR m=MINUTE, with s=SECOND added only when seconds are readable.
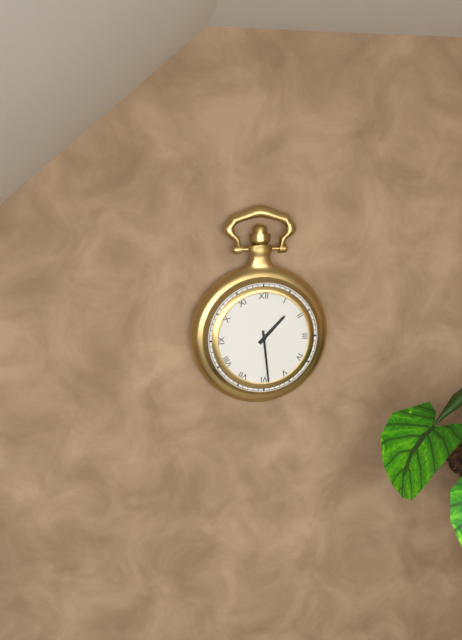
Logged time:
h=1 m=29
